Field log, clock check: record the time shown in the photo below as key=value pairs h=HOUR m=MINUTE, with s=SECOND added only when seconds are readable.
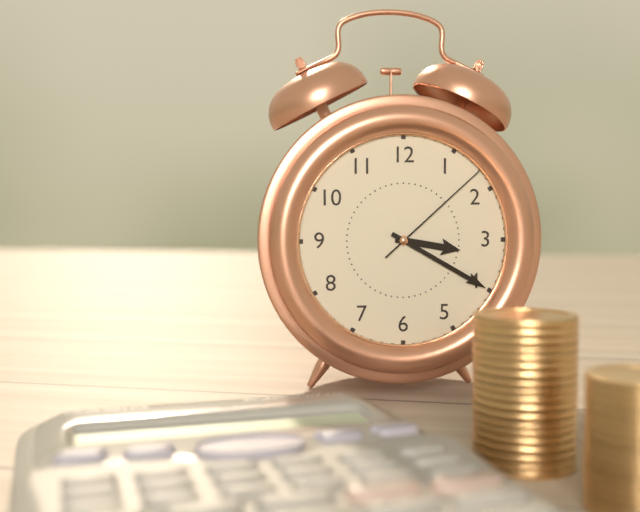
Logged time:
h=3 m=20 s=8
